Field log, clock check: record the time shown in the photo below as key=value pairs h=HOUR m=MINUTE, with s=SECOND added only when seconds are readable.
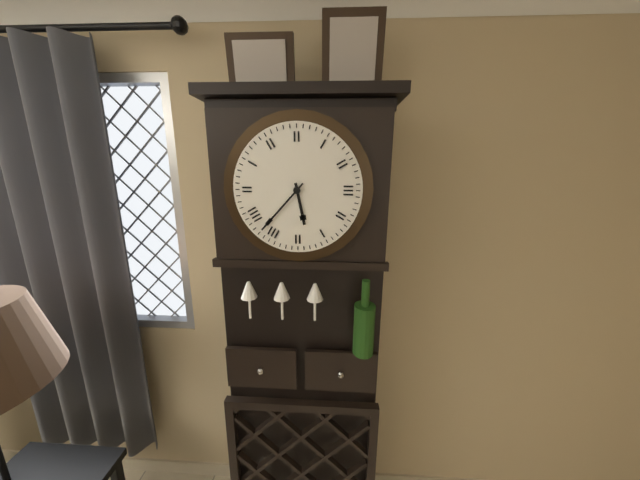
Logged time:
h=5 m=37
